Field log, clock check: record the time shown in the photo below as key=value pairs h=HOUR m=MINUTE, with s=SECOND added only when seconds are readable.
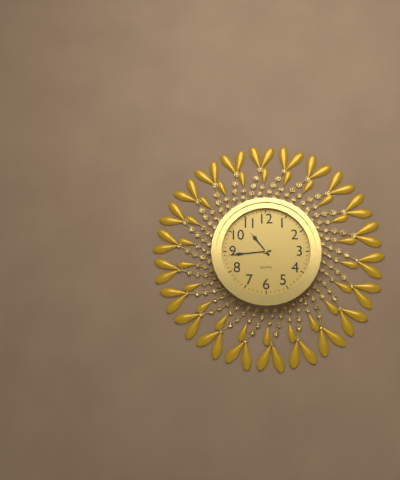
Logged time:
h=10 m=44
